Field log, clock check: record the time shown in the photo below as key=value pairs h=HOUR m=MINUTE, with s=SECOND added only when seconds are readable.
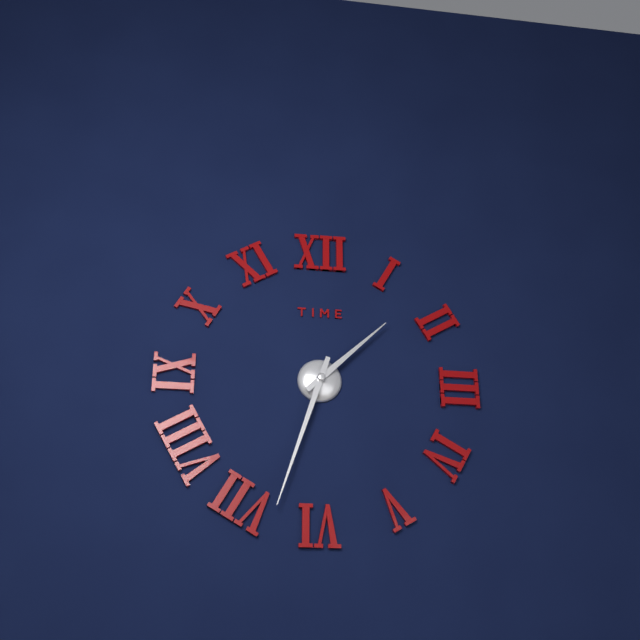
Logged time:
h=1 m=33
